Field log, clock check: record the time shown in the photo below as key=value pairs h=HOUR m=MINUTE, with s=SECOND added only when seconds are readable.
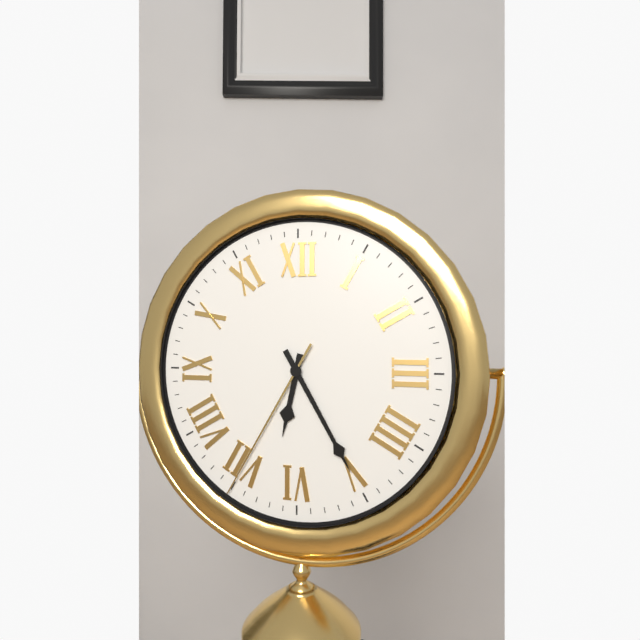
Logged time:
h=6 m=25 s=35
